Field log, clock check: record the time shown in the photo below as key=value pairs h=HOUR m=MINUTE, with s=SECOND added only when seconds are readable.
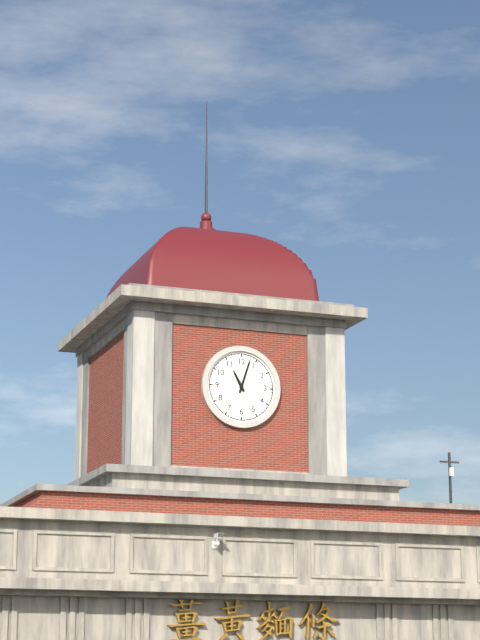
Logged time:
h=11 m=3
